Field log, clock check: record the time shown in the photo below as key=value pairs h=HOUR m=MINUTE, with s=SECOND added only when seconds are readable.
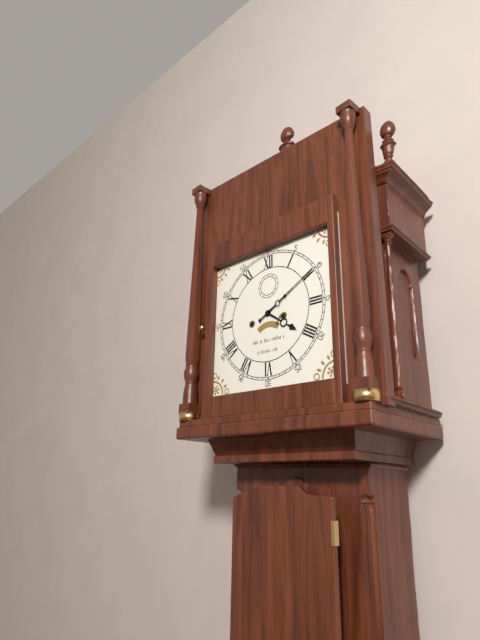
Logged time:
h=4 m=10
